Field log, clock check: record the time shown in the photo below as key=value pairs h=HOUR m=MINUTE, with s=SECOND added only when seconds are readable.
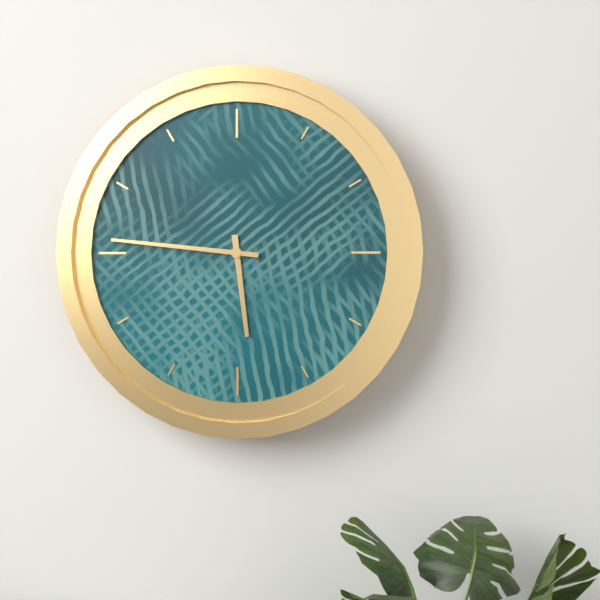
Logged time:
h=5 m=46
